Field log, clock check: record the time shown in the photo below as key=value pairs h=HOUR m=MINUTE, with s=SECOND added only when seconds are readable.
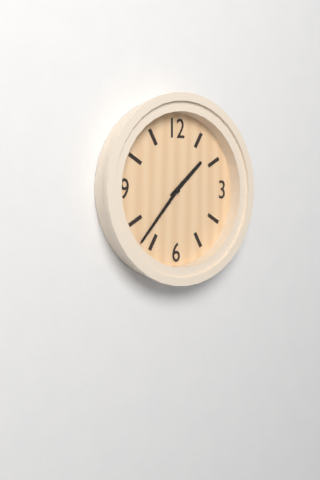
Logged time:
h=1 m=37
